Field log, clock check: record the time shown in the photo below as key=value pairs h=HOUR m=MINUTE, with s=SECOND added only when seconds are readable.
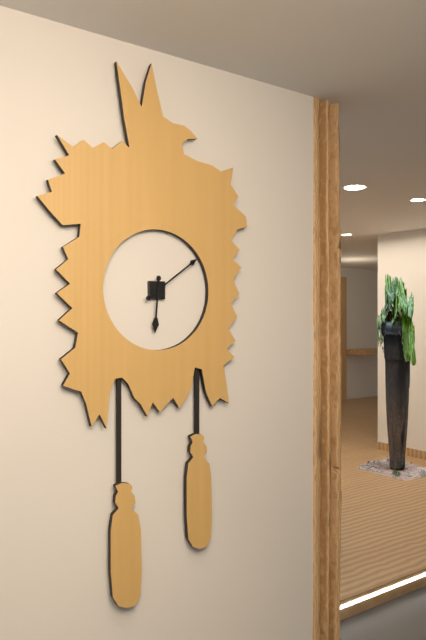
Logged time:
h=6 m=9
